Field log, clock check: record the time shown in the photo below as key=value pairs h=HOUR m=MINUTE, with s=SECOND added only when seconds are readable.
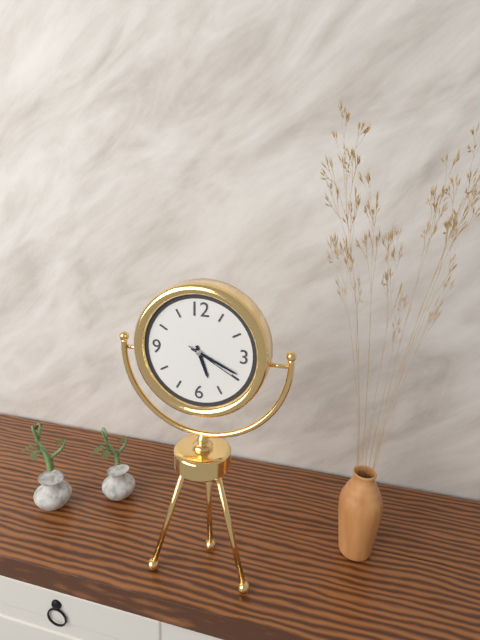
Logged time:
h=5 m=19 s=20
